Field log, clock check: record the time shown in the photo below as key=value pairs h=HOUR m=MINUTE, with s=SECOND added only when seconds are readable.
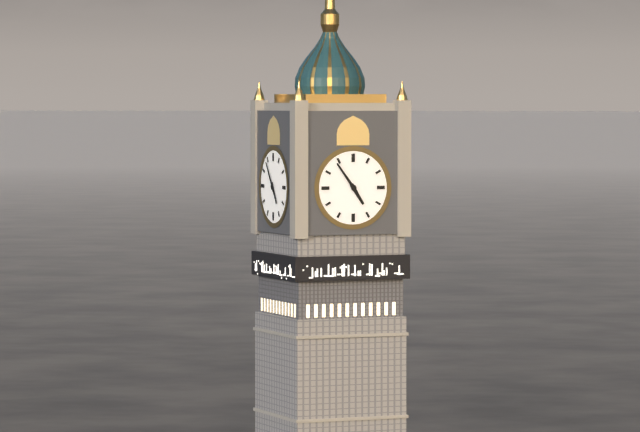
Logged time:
h=4 m=54
